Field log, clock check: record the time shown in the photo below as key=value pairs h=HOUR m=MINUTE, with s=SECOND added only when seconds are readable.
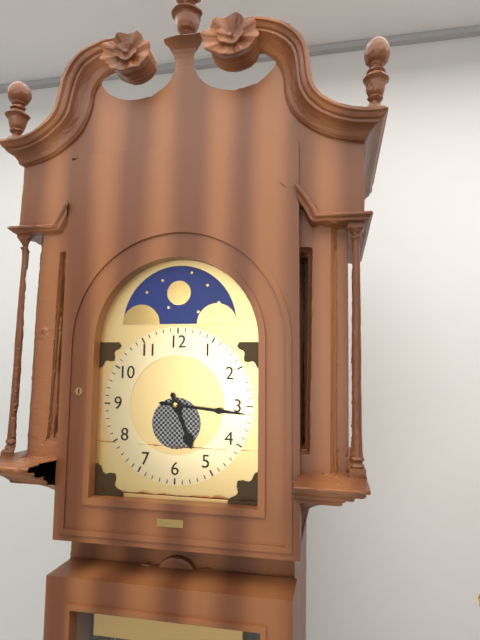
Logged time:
h=5 m=16
